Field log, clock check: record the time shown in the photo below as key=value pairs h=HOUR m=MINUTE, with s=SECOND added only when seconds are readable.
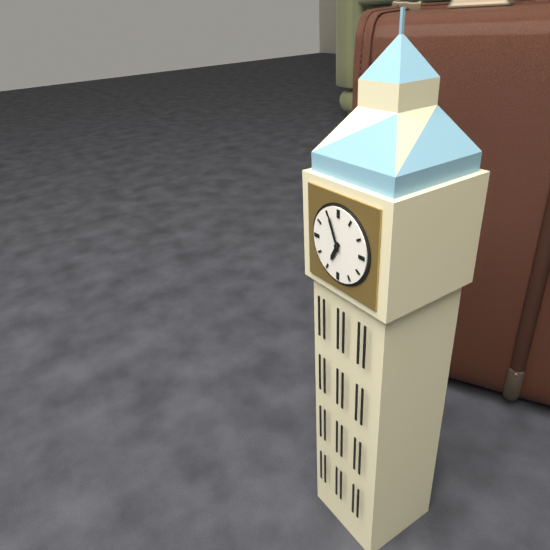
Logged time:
h=6 m=56
